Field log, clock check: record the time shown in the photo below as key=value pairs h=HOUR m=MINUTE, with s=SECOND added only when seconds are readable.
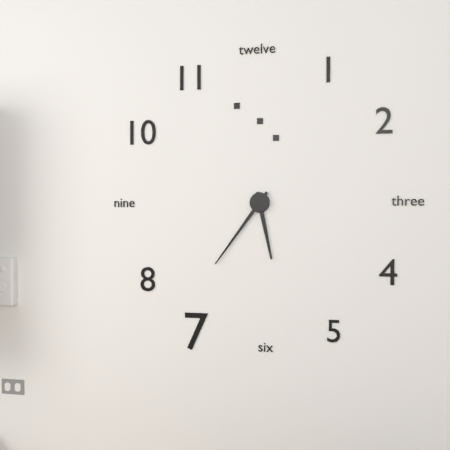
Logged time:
h=5 m=36
